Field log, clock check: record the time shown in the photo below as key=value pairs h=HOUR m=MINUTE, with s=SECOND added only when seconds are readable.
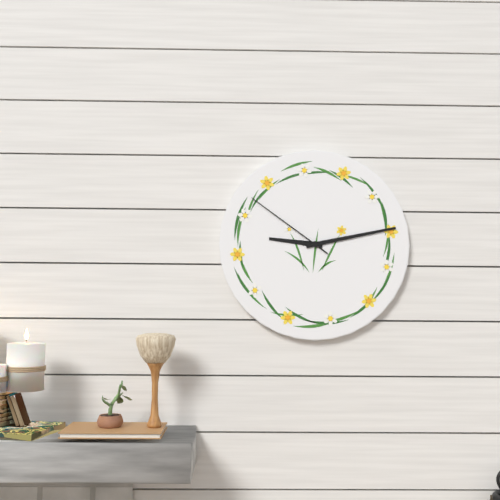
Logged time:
h=9 m=13 s=51
